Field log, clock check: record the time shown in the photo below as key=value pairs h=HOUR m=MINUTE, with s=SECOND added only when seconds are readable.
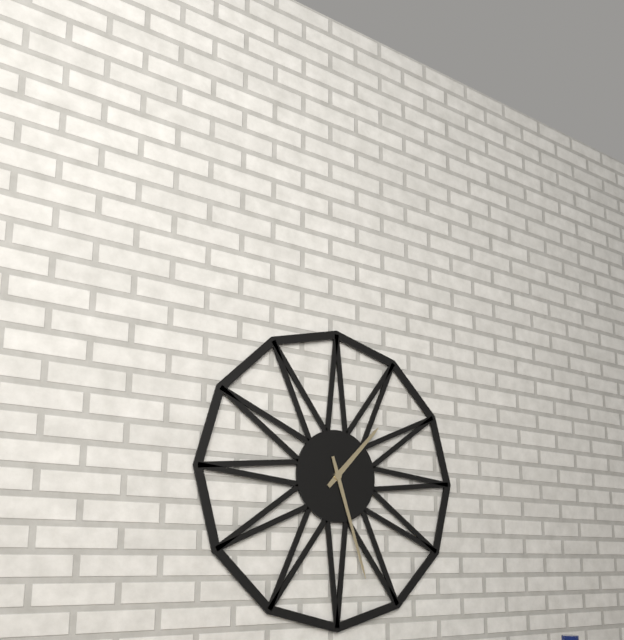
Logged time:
h=1 m=27
